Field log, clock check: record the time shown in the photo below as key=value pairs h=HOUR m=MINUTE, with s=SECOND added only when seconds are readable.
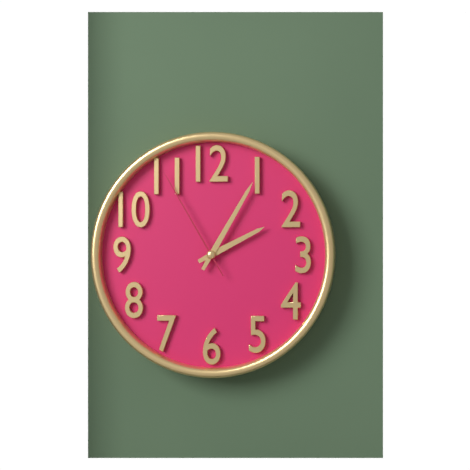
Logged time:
h=2 m=5 s=55
